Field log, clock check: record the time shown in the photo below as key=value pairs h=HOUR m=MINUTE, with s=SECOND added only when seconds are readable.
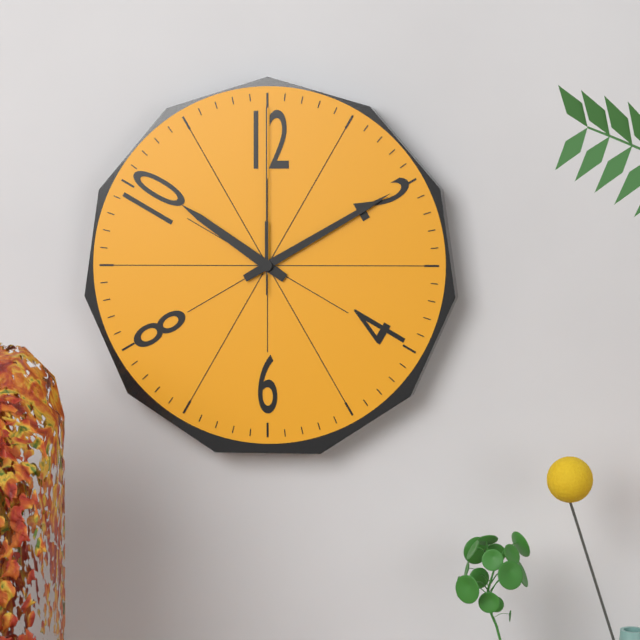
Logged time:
h=10 m=10 s=0
